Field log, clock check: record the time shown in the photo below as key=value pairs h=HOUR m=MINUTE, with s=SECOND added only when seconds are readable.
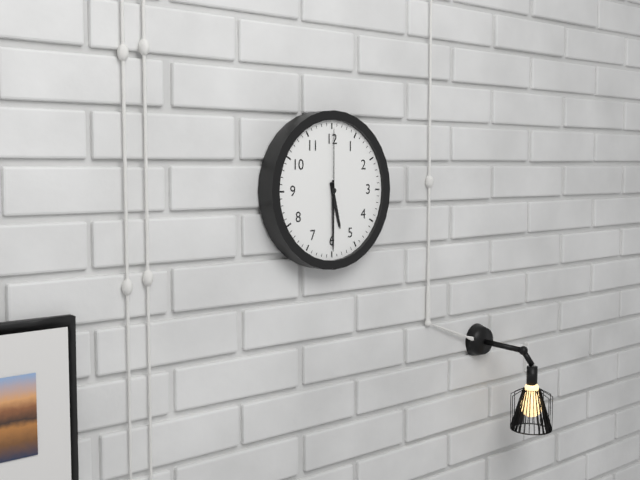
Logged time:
h=5 m=30 s=0
